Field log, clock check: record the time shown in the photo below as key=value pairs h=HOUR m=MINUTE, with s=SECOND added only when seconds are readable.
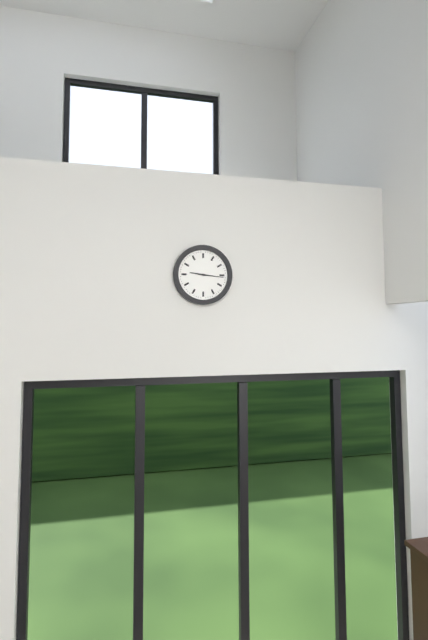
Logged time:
h=9 m=16
